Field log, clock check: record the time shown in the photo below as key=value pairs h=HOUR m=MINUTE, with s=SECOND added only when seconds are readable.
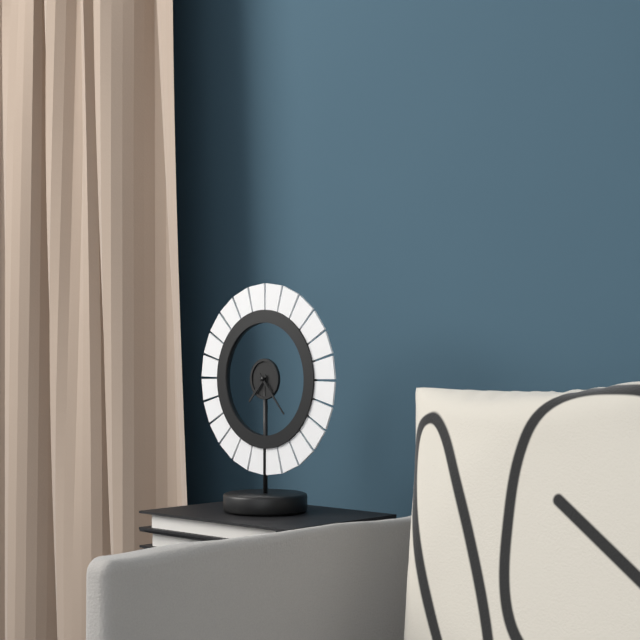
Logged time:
h=7 m=23
